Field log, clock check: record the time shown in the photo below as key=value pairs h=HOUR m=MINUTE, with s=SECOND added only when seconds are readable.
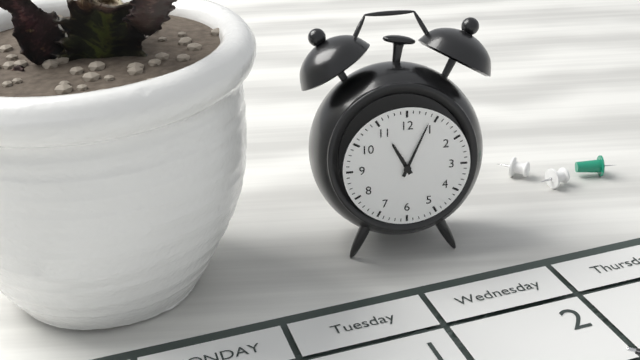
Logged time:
h=11 m=4
